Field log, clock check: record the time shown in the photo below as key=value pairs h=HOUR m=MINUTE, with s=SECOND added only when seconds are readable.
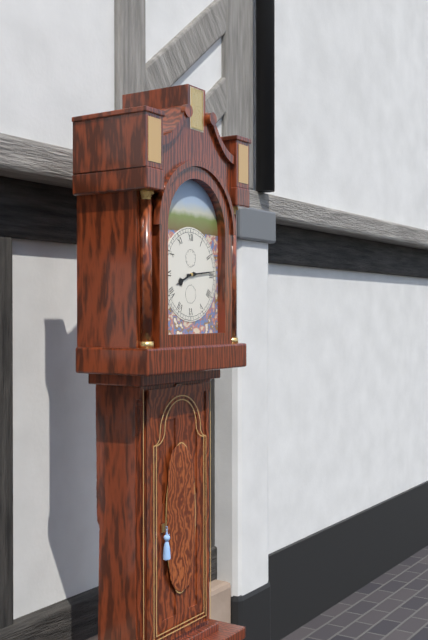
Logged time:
h=8 m=14
